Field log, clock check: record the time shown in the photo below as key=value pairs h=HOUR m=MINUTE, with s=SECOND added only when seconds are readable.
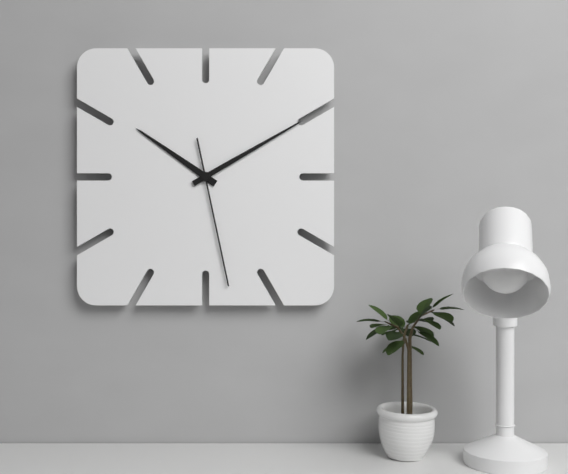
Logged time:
h=10 m=10 s=28
